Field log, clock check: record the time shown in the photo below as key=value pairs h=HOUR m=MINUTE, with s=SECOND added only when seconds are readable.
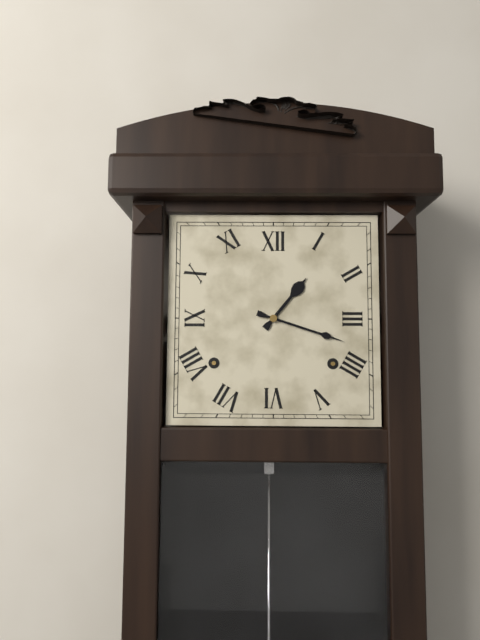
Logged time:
h=1 m=18
